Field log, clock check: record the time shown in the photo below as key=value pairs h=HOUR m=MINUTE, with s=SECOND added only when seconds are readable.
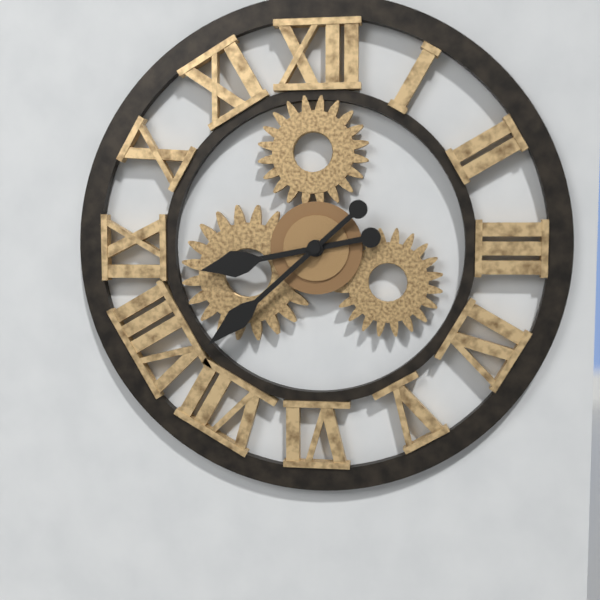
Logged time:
h=8 m=38
